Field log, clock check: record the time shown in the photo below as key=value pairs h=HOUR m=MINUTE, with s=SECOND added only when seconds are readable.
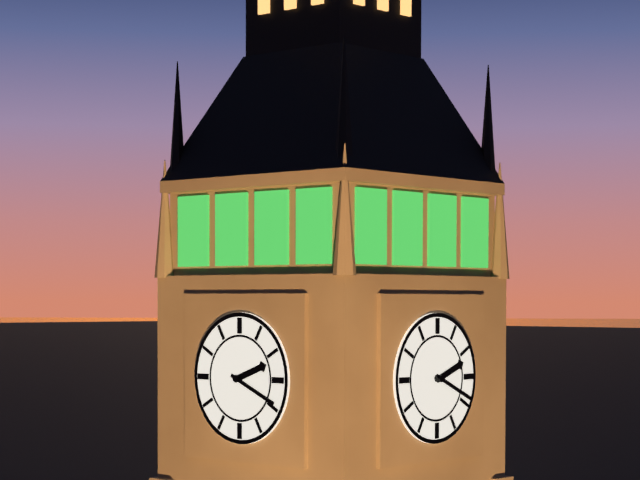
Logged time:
h=2 m=19
